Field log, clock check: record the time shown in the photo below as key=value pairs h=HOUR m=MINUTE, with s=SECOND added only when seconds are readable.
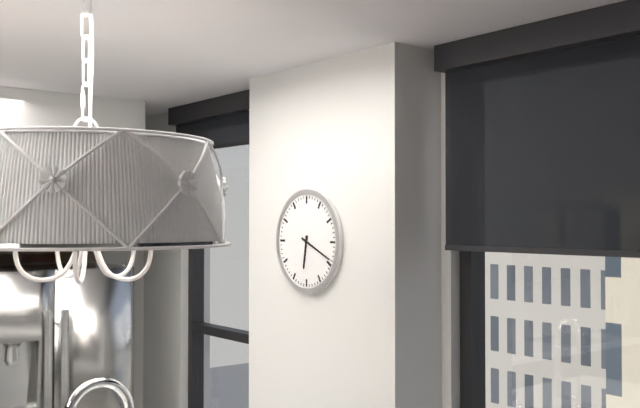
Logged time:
h=6 m=19
